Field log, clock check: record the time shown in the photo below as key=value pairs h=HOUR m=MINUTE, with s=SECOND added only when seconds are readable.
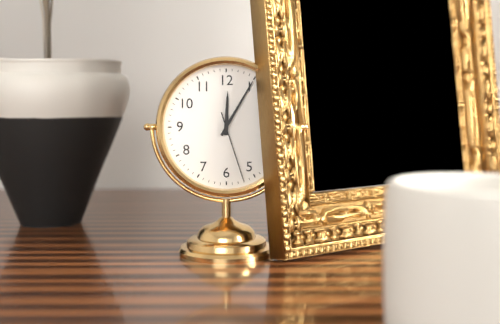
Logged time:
h=12 m=5 s=27
